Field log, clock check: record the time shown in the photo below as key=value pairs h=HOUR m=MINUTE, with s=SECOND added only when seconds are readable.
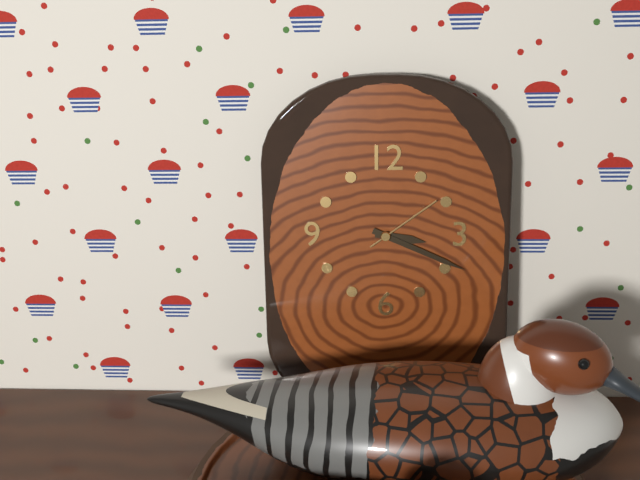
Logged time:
h=3 m=19 s=9
